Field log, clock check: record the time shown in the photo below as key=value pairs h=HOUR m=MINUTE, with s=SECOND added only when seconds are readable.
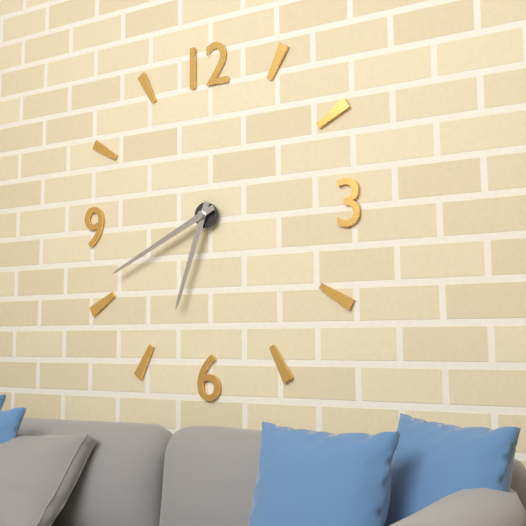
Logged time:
h=6 m=41
